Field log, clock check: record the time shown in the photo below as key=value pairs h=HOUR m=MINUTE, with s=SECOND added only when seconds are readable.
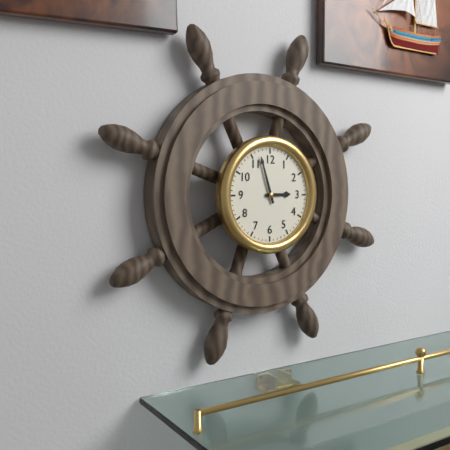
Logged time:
h=2 m=57
